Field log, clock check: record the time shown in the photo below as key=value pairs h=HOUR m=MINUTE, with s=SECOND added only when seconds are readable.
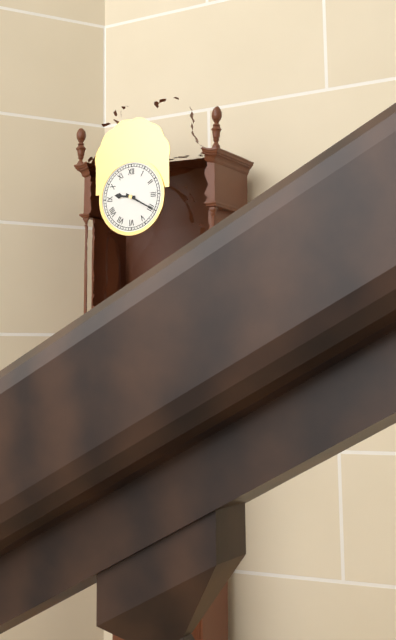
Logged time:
h=9 m=20
